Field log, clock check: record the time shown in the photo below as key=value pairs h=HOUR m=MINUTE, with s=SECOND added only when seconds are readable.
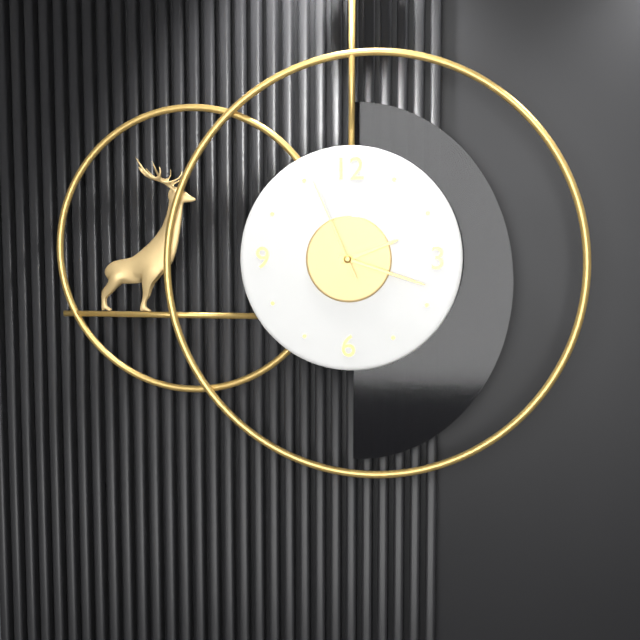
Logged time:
h=2 m=18 s=56
